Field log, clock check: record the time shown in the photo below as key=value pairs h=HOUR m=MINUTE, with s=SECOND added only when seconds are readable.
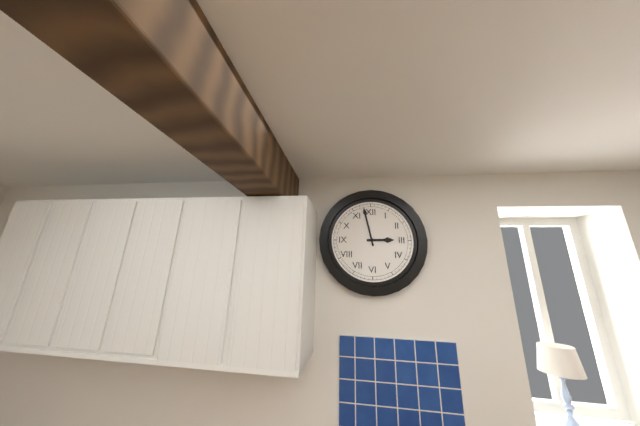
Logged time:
h=2 m=58
